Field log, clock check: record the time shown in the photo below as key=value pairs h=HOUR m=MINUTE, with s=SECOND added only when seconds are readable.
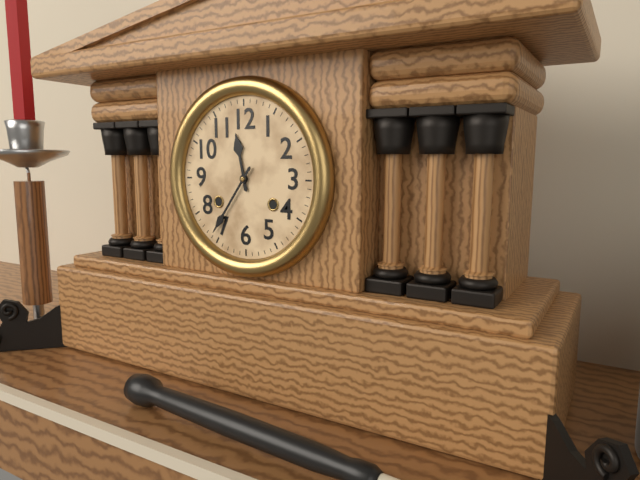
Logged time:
h=11 m=36
